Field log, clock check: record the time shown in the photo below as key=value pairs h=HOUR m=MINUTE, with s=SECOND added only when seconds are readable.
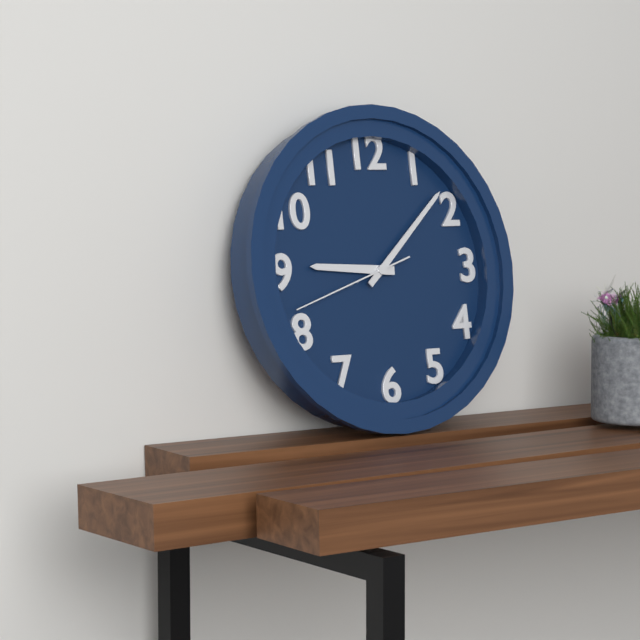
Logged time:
h=9 m=8 s=42
